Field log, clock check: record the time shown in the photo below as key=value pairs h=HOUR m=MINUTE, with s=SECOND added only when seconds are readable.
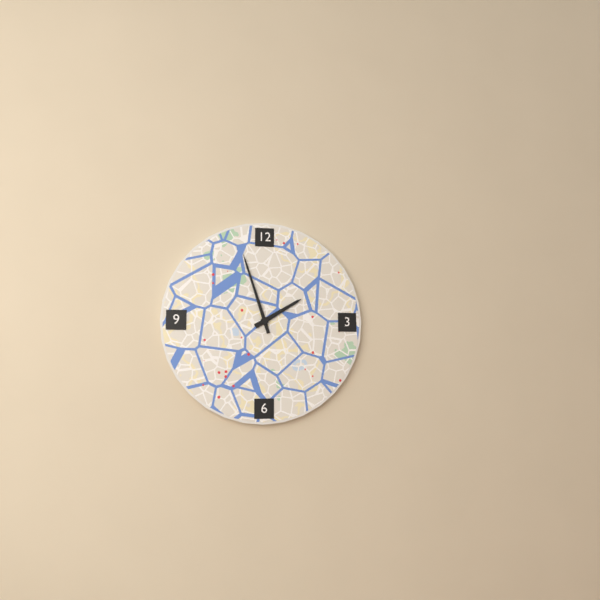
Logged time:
h=1 m=57
